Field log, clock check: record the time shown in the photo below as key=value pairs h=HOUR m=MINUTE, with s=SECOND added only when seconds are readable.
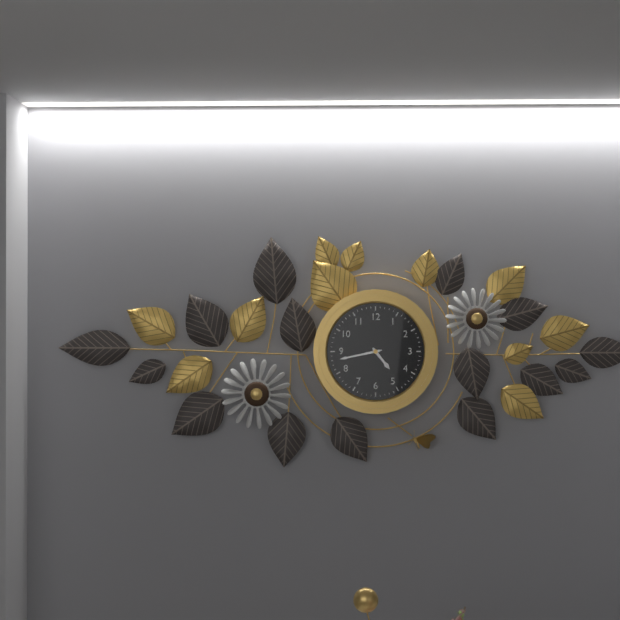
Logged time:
h=4 m=43
